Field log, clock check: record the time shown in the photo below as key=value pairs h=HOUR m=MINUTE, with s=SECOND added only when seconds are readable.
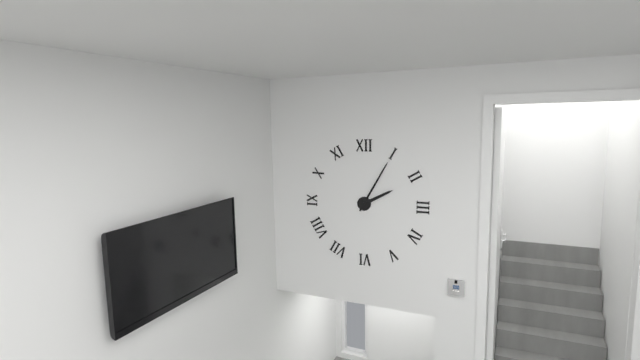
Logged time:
h=2 m=5
